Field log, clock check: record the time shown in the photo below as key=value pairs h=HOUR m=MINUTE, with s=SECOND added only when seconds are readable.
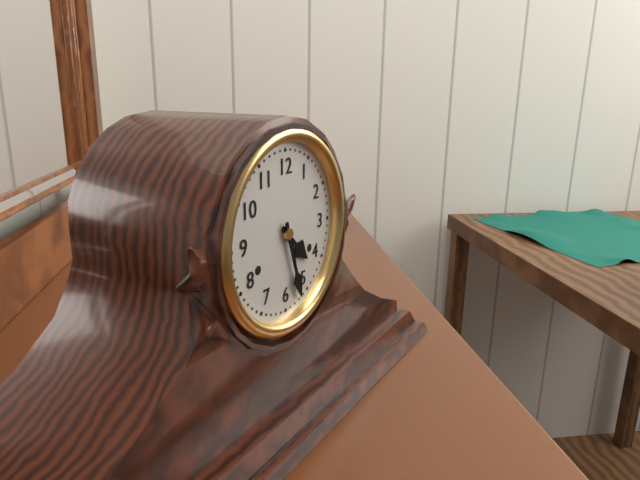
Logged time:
h=4 m=27
